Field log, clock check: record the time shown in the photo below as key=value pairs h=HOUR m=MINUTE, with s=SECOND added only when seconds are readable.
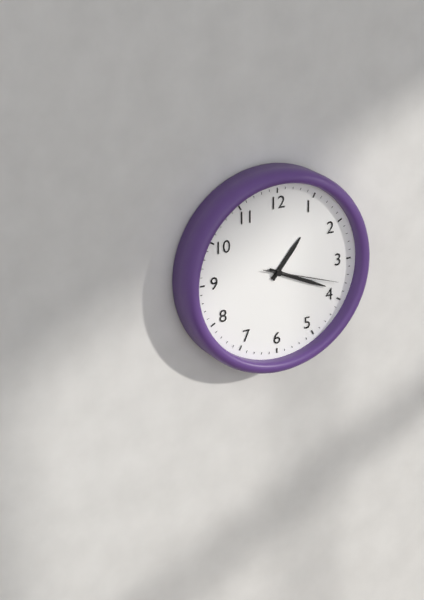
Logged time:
h=1 m=19 s=18
